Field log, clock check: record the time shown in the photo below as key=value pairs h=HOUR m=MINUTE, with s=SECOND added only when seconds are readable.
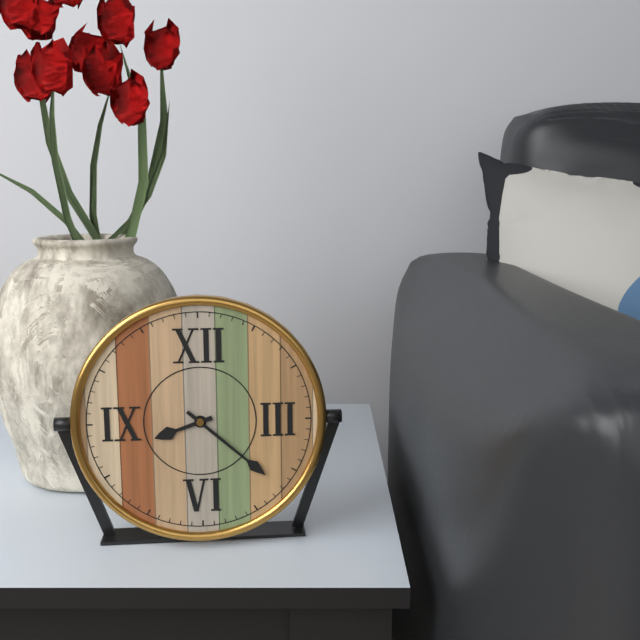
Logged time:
h=8 m=22
